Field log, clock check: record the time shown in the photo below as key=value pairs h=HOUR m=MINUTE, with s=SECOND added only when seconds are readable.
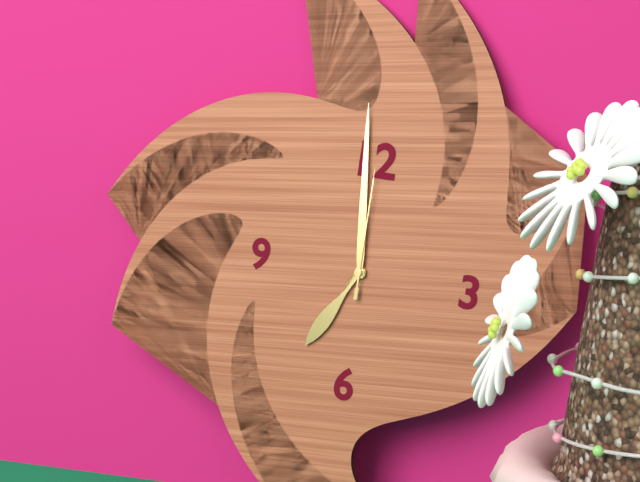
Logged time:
h=6 m=59 s=0
